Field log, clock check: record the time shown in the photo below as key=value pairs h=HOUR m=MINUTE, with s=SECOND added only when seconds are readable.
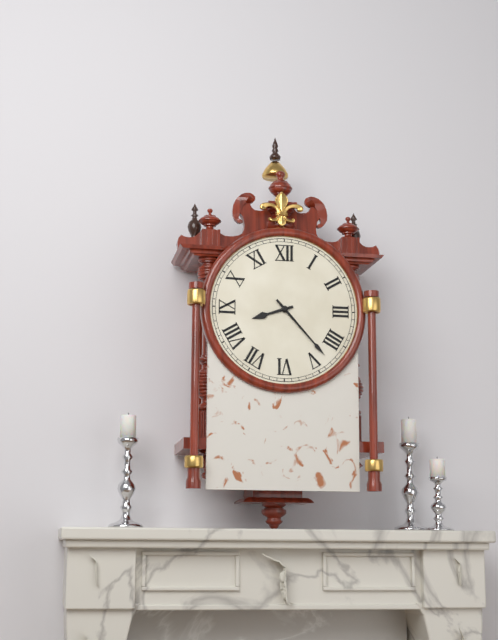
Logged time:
h=8 m=23
